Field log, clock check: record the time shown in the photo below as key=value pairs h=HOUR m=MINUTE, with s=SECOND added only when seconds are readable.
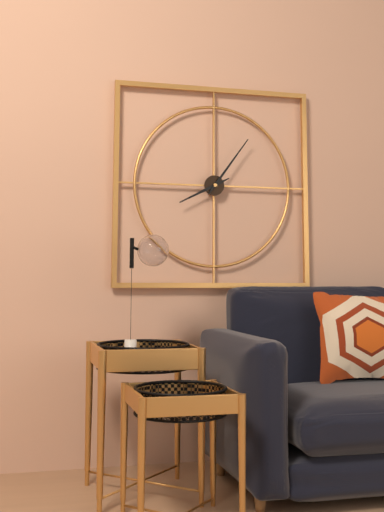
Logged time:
h=8 m=6
